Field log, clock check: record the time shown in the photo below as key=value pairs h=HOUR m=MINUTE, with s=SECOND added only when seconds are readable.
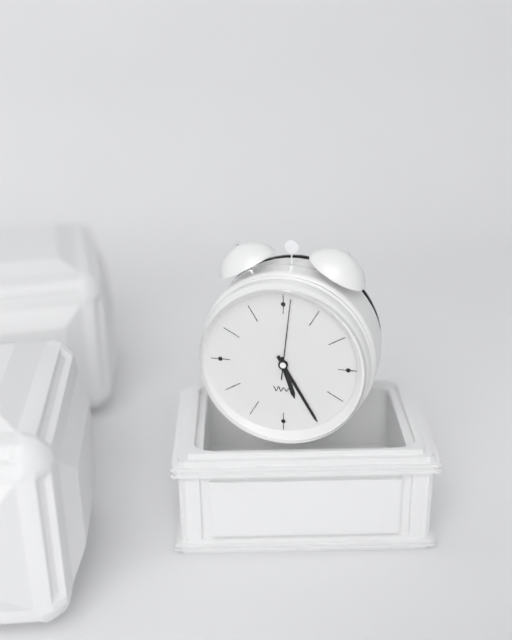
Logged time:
h=5 m=25 s=1
